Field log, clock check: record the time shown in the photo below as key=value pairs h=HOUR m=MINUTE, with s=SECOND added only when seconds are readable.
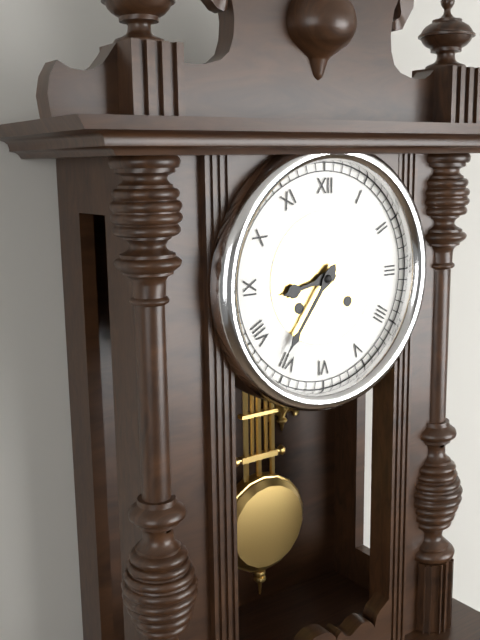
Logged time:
h=8 m=36
